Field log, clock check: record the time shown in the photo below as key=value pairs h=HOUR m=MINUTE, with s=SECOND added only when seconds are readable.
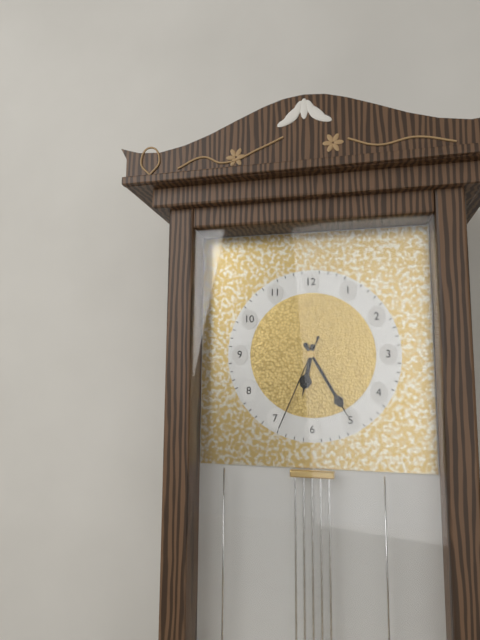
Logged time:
h=6 m=25 s=34
